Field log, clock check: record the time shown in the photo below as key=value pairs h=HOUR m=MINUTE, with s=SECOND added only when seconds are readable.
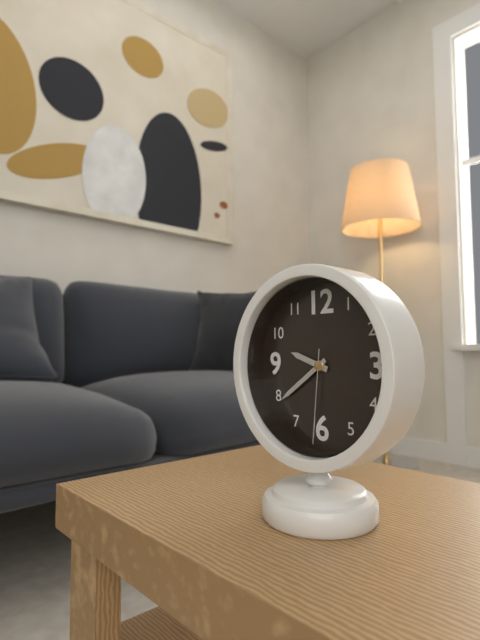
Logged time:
h=9 m=39 s=31
